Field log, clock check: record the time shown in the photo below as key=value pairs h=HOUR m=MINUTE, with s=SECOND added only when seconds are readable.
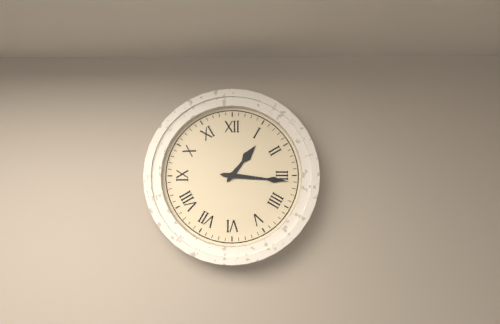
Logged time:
h=1 m=16
